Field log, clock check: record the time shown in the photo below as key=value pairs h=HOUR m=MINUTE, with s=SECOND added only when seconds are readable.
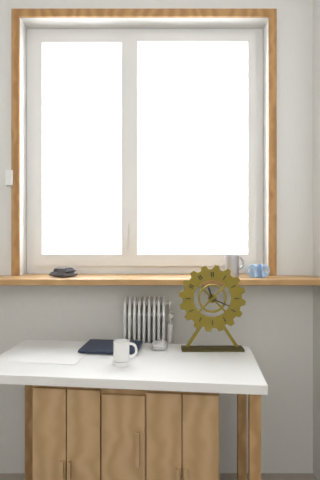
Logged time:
h=11 m=19
